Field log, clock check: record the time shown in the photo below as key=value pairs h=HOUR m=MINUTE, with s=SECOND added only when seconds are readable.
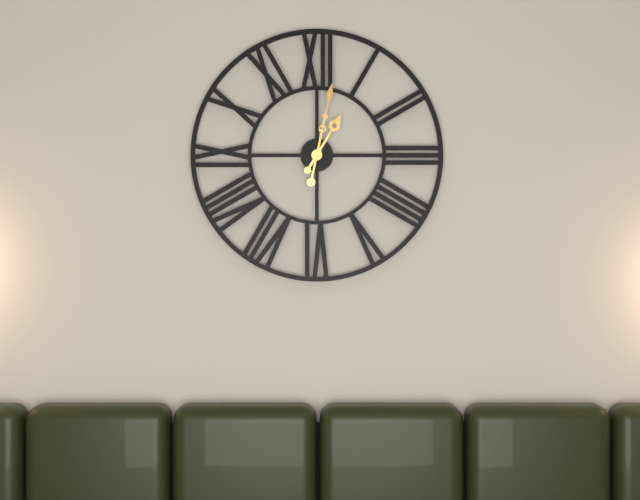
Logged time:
h=1 m=2
